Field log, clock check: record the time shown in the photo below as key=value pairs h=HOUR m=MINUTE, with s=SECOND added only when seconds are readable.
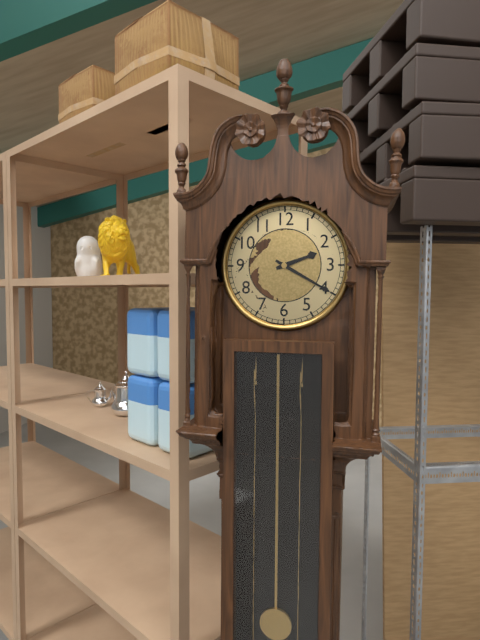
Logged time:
h=2 m=20
